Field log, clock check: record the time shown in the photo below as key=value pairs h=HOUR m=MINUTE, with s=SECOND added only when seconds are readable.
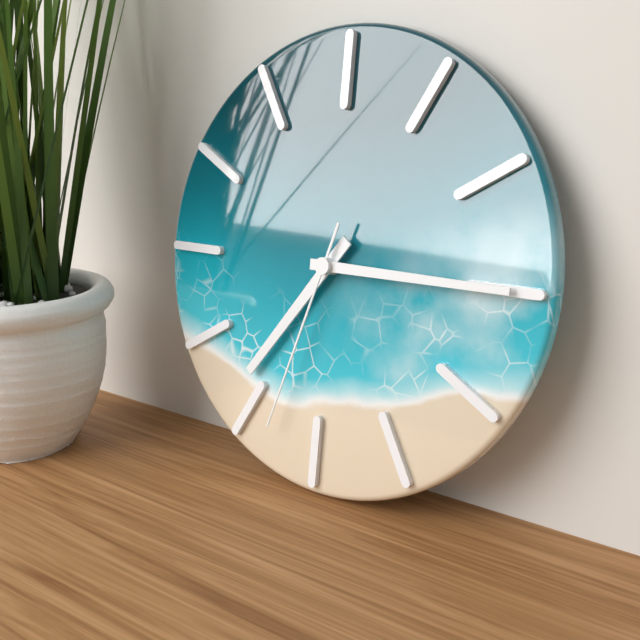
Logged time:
h=7 m=15 s=33
